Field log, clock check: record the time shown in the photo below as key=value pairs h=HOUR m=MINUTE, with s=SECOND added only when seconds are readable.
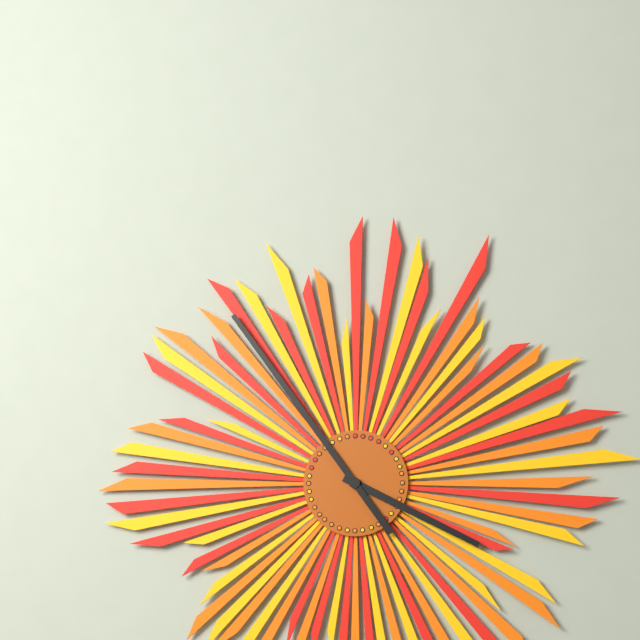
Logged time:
h=3 m=54
